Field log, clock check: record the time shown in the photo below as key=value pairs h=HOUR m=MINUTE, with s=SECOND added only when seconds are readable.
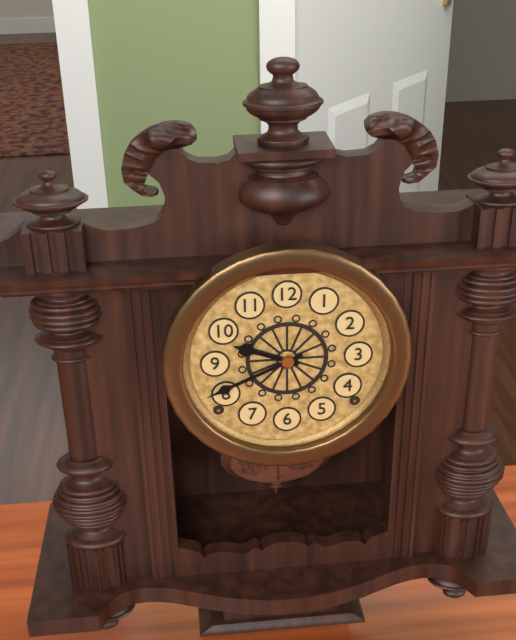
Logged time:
h=9 m=41
